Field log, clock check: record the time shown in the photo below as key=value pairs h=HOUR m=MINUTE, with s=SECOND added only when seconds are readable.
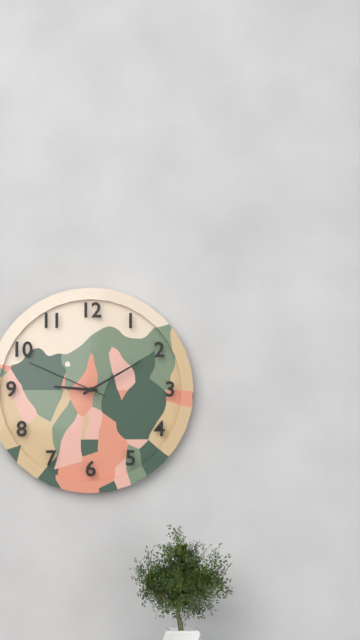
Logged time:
h=9 m=10 s=49
